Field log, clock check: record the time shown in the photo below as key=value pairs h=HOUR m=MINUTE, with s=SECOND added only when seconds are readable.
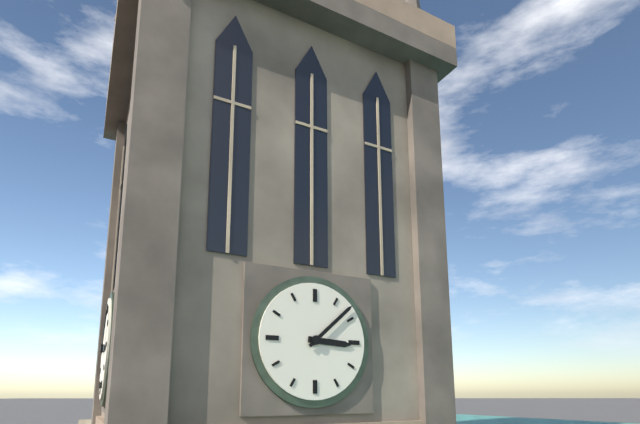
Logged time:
h=3 m=8
